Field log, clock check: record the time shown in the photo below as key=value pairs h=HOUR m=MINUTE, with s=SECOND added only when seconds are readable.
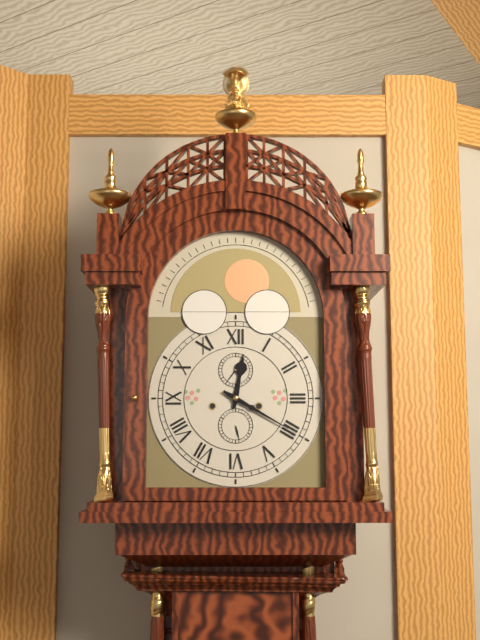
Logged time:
h=12 m=20
